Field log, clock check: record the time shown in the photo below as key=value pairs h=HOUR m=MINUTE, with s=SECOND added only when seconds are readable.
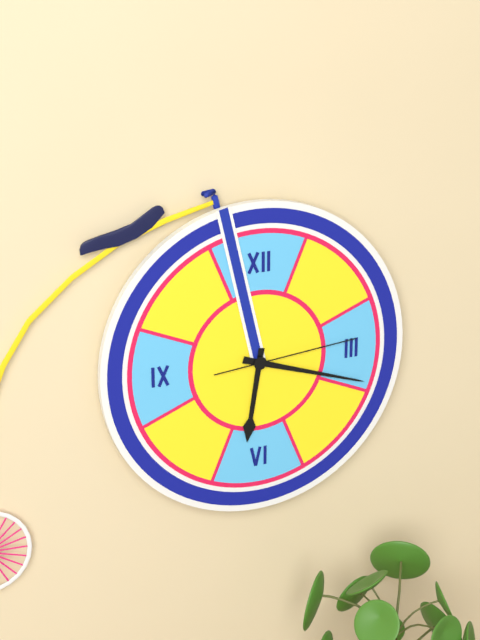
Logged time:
h=6 m=18 s=14
